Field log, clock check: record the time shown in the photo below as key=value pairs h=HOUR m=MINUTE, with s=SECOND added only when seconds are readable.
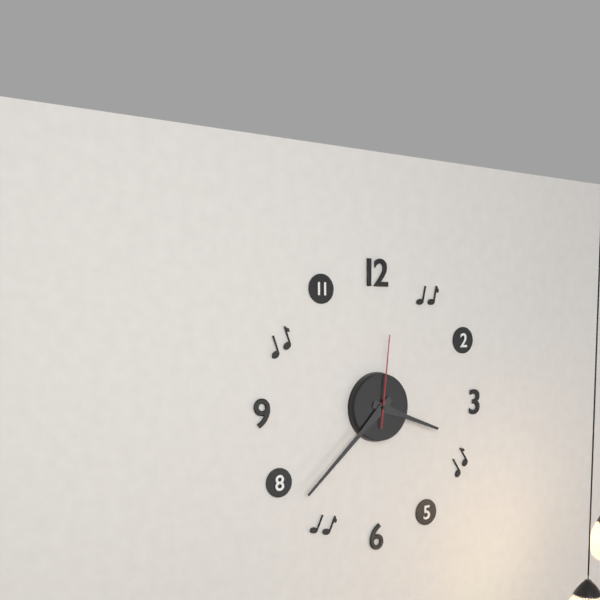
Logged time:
h=3 m=38 s=1
